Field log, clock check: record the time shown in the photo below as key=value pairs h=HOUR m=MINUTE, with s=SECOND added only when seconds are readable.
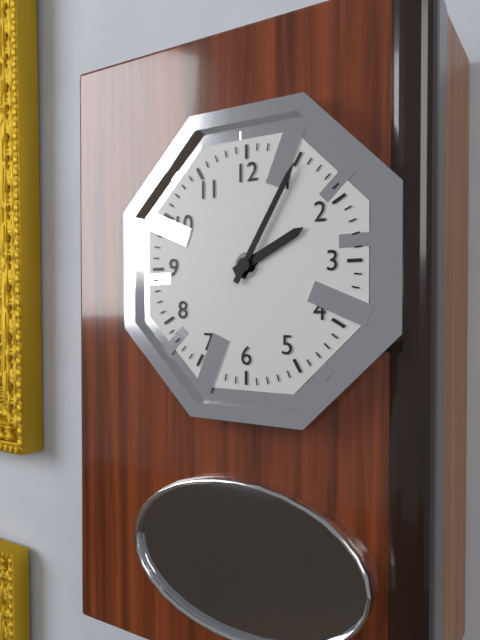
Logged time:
h=2 m=5
